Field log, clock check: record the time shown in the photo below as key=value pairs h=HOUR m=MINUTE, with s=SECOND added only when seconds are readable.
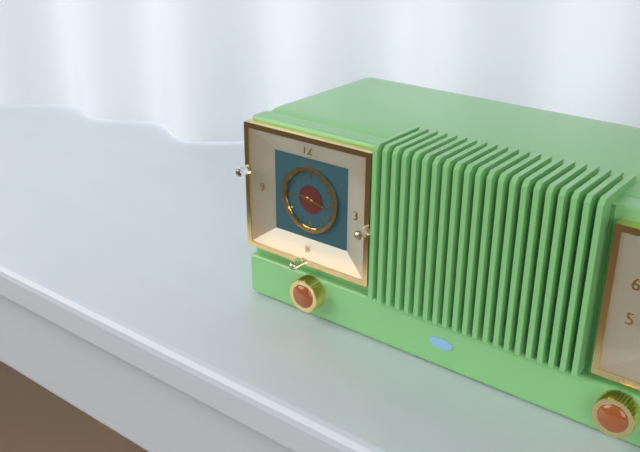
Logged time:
h=9 m=17
